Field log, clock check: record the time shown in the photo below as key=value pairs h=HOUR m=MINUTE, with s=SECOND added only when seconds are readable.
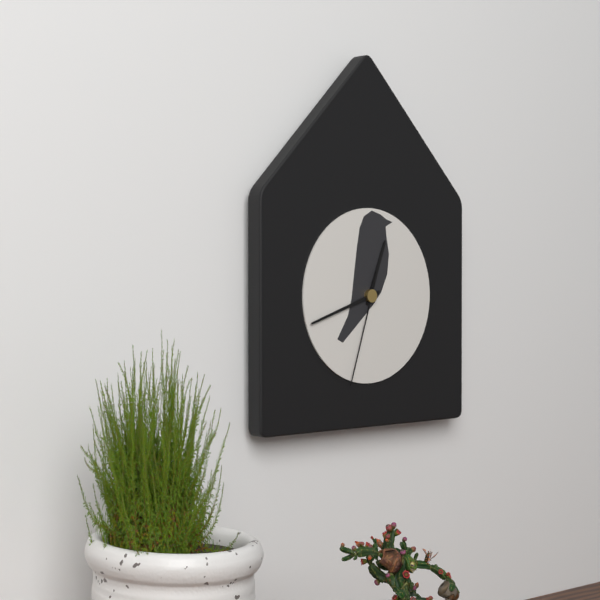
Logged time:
h=12 m=42 s=33
